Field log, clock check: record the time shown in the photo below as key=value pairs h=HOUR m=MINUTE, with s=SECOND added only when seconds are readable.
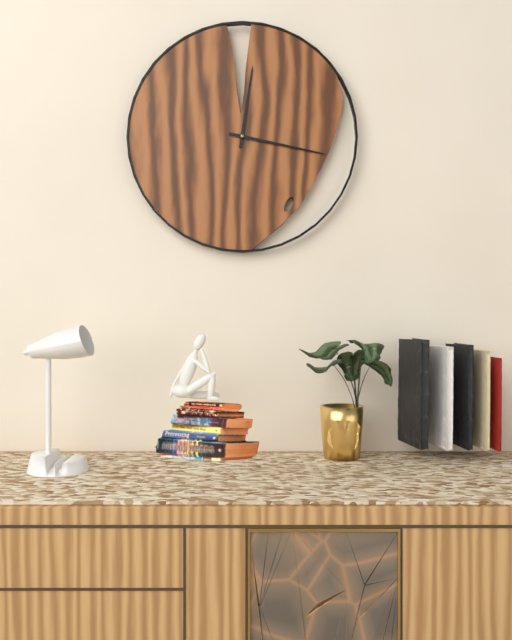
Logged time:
h=12 m=17
